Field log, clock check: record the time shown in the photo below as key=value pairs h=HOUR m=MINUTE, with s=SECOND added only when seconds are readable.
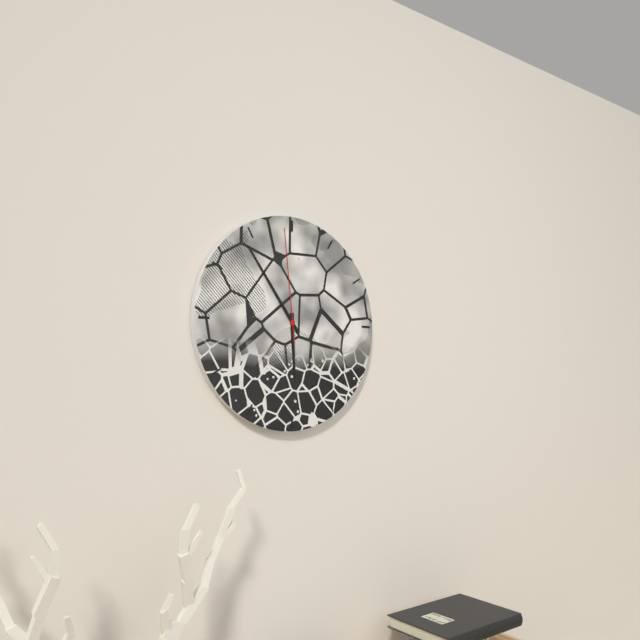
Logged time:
h=5 m=54 s=59
